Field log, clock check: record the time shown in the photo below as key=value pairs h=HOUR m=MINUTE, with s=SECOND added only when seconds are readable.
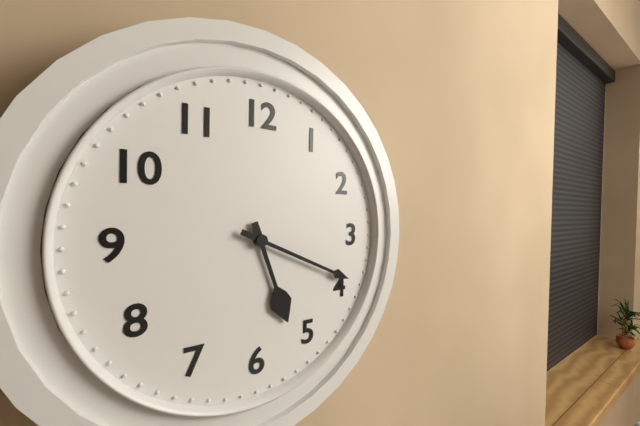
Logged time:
h=5 m=19
